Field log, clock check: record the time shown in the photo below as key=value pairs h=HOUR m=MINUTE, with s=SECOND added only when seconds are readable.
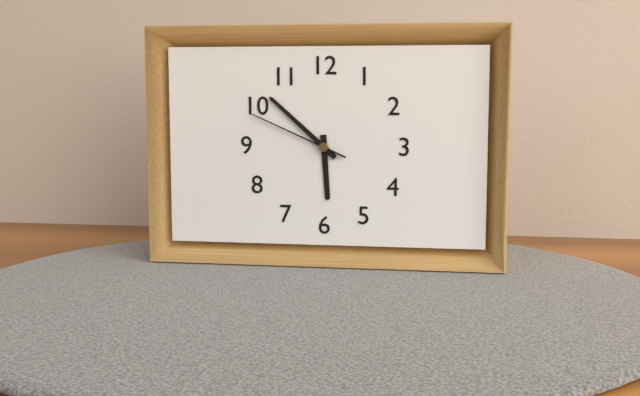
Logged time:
h=5 m=52 s=49
